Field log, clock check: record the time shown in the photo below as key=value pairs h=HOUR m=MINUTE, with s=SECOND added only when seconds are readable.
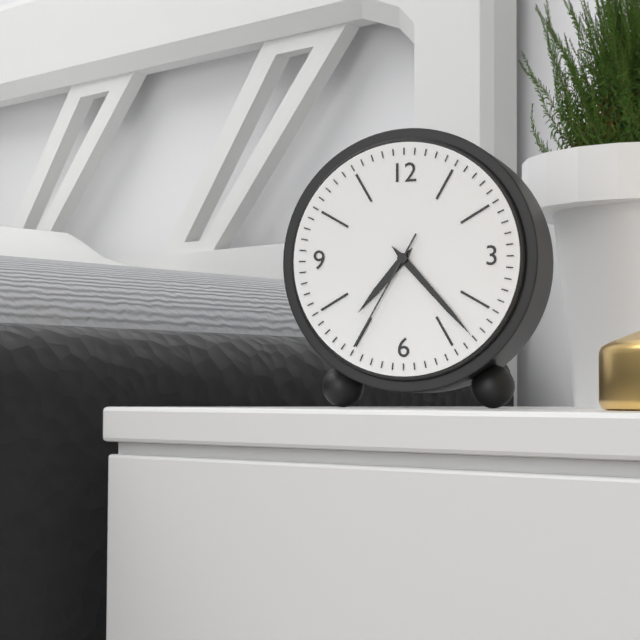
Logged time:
h=7 m=23 s=35
